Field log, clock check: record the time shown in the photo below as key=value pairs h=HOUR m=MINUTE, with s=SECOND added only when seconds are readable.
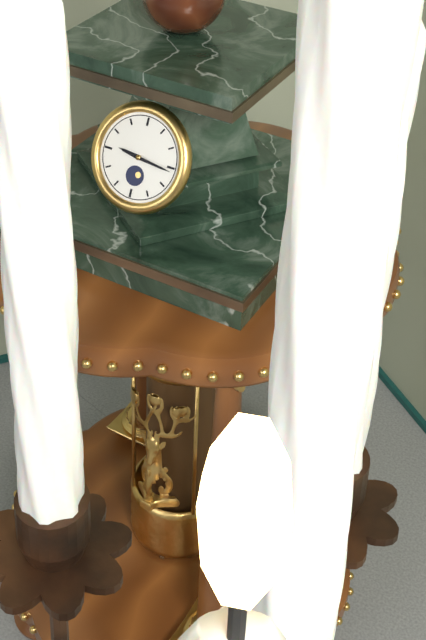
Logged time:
h=9 m=16
